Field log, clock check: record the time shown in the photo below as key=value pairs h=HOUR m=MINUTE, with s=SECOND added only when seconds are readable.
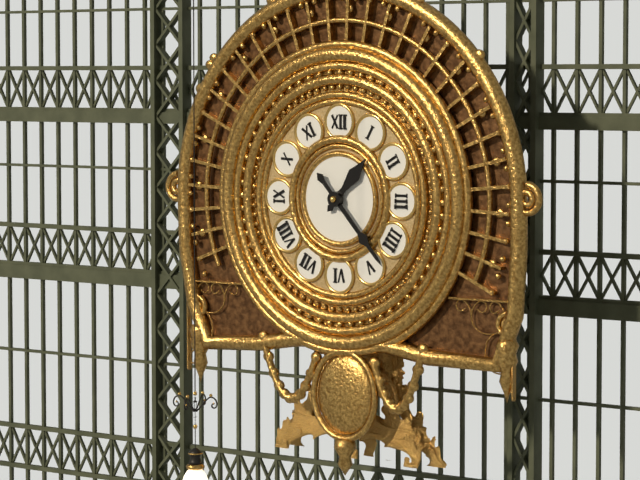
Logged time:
h=1 m=23
